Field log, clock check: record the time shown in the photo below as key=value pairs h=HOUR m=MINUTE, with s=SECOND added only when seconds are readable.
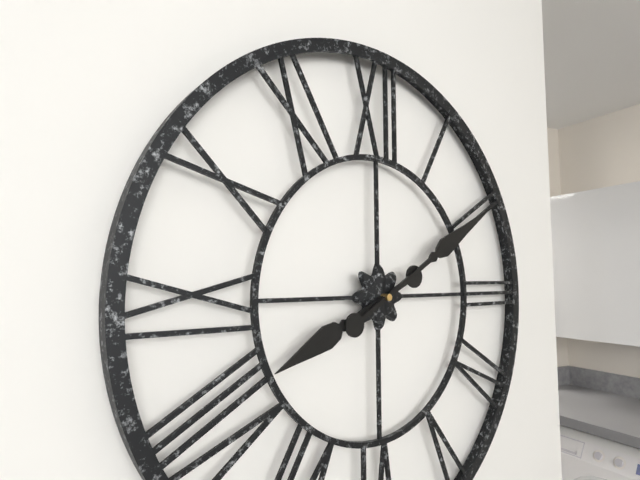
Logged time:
h=8 m=10
